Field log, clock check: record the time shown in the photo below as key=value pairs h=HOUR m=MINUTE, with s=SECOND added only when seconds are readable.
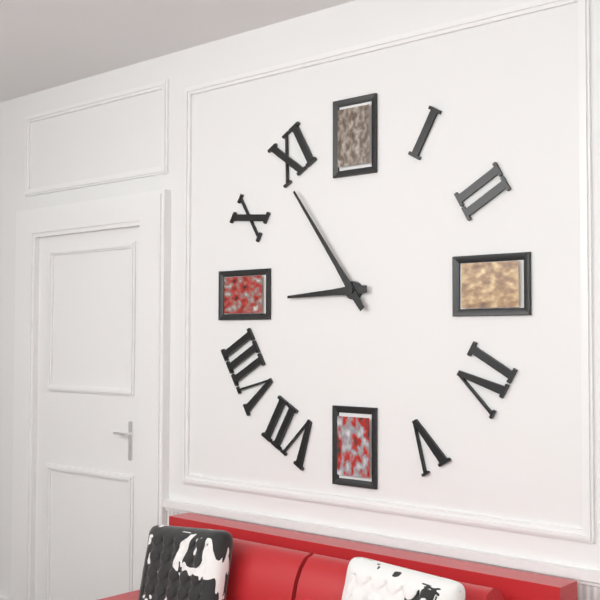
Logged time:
h=8 m=54
